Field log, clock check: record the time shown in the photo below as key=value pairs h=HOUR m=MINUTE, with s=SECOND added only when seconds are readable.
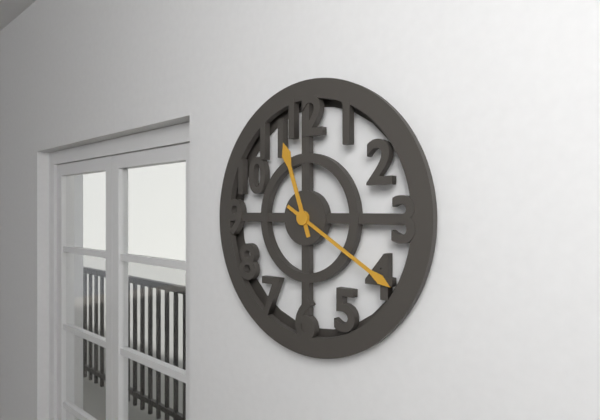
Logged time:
h=11 m=20
